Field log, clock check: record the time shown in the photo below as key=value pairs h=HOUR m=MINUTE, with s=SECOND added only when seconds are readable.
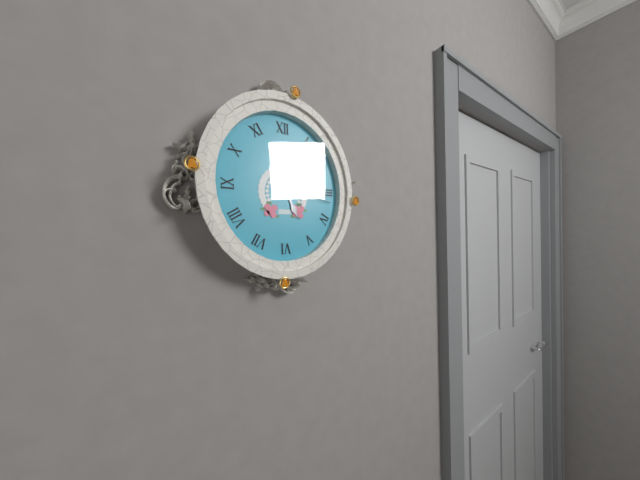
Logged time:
h=5 m=9 s=17
